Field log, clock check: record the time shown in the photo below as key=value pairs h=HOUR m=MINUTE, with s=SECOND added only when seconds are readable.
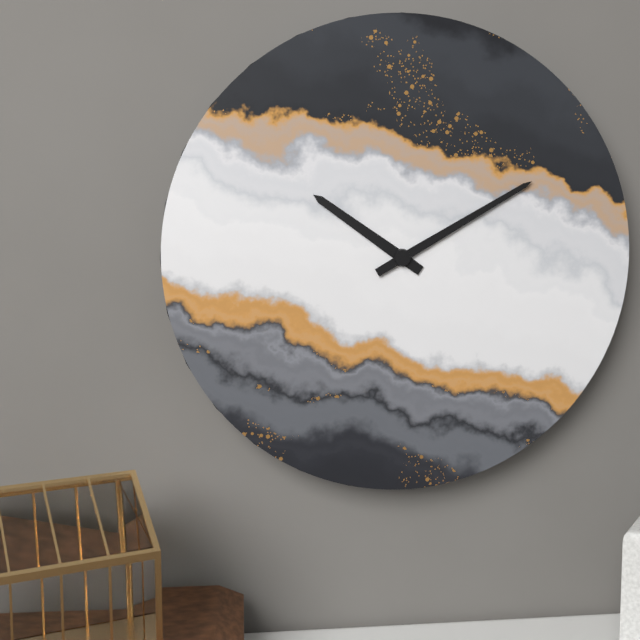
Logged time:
h=10 m=10
